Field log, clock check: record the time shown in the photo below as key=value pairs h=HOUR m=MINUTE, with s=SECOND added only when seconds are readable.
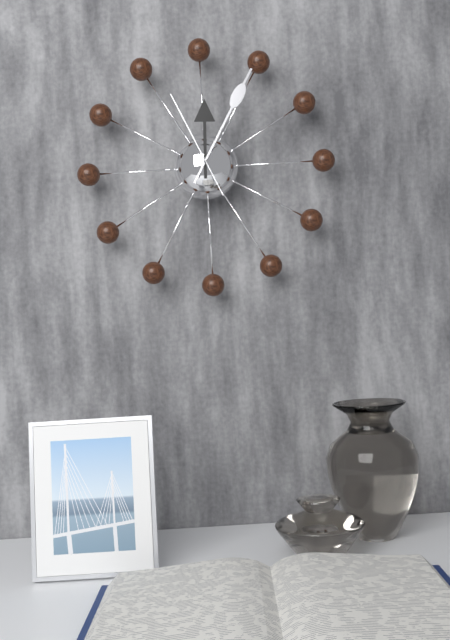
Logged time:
h=12 m=5 s=56
